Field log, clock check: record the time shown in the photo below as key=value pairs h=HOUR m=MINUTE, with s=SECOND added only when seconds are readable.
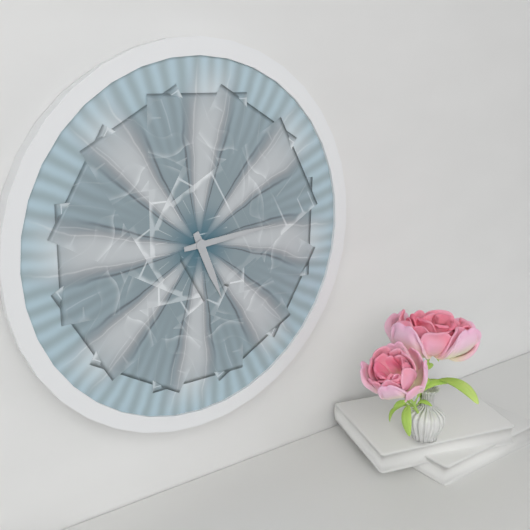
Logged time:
h=5 m=14
